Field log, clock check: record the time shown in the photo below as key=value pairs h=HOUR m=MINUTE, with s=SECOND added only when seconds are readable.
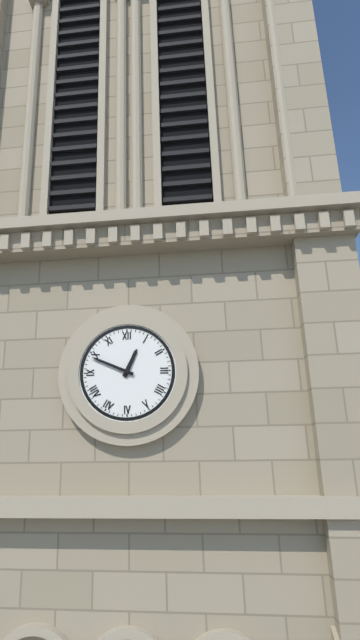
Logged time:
h=12 m=49
